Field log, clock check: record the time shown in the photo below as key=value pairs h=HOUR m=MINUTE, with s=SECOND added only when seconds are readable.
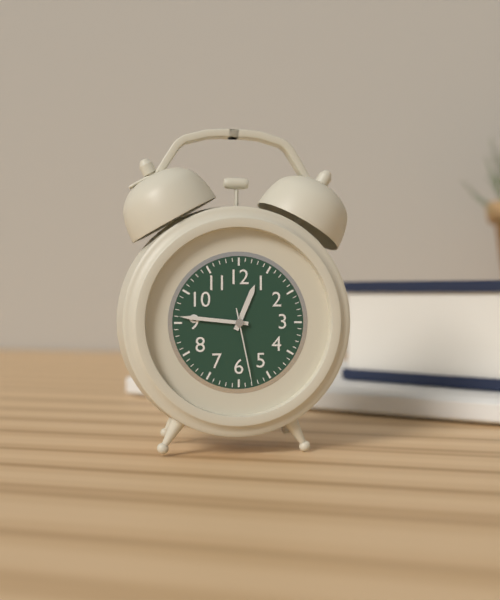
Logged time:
h=12 m=46 s=28
